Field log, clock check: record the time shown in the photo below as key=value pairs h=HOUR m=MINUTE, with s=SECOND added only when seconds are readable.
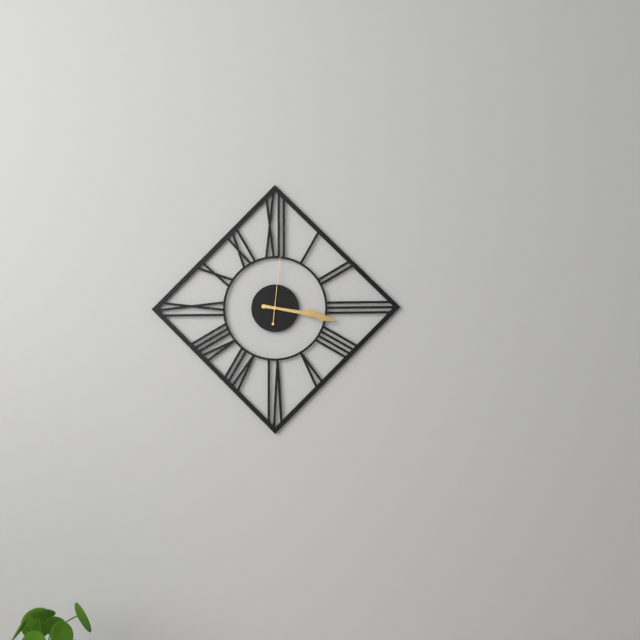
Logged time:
h=3 m=17 s=1
